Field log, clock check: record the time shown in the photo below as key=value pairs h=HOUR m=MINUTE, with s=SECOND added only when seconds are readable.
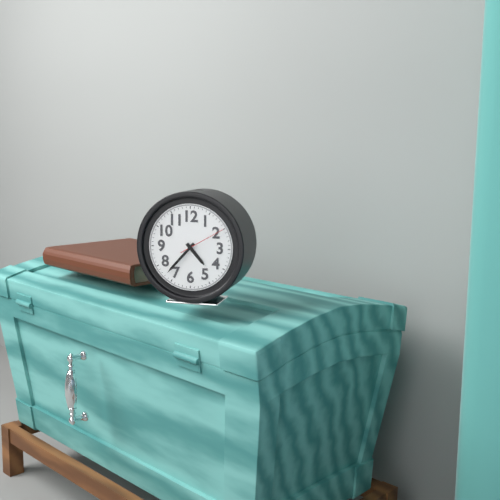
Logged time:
h=4 m=37
